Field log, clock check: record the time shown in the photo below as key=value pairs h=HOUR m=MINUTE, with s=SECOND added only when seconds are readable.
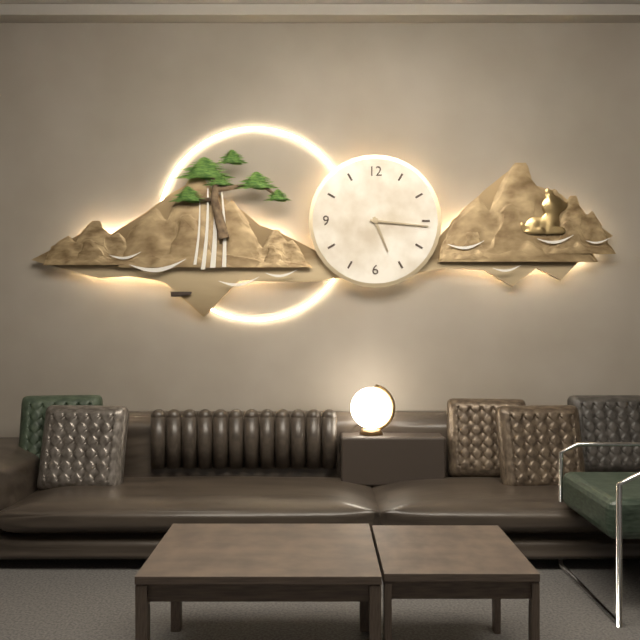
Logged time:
h=5 m=16
